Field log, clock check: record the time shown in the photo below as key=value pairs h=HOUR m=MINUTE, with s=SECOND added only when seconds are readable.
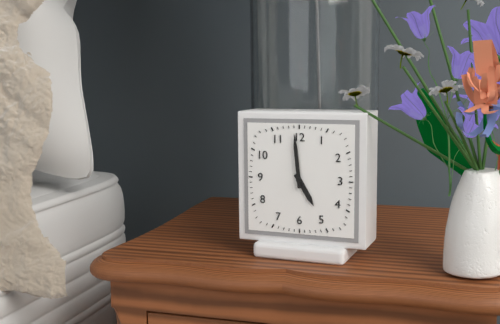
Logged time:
h=4 m=59
